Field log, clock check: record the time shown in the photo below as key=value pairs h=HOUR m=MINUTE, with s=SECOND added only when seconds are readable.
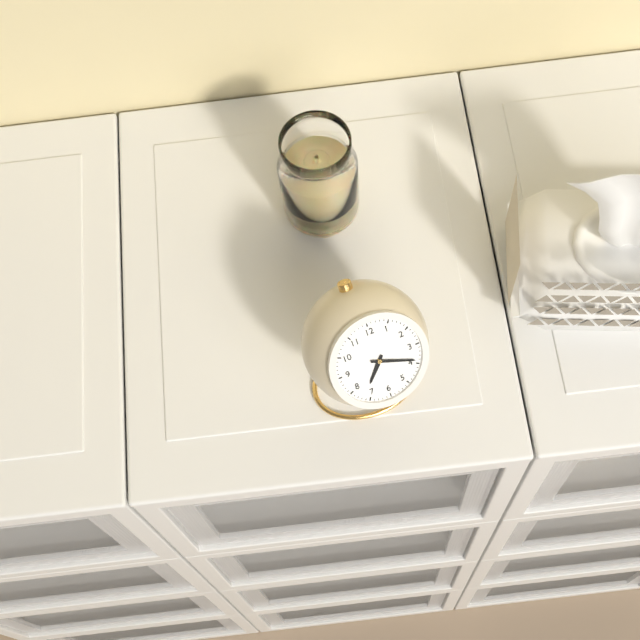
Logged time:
h=7 m=19
